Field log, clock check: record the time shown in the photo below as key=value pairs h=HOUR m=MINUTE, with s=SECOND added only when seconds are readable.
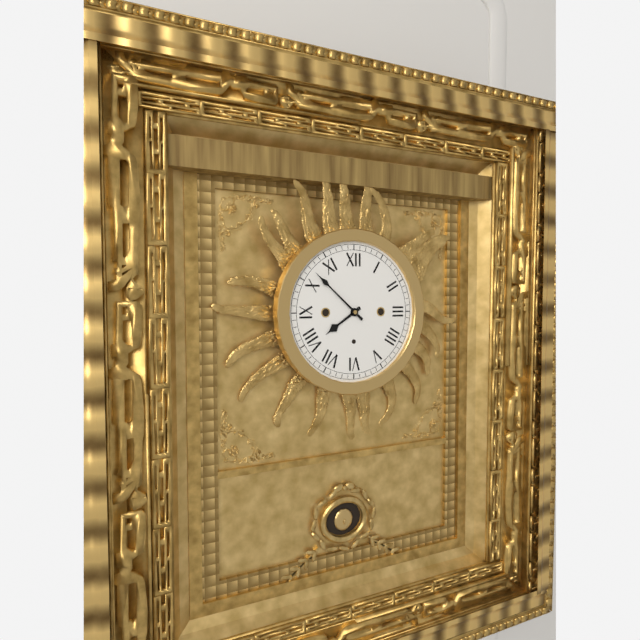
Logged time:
h=7 m=52
